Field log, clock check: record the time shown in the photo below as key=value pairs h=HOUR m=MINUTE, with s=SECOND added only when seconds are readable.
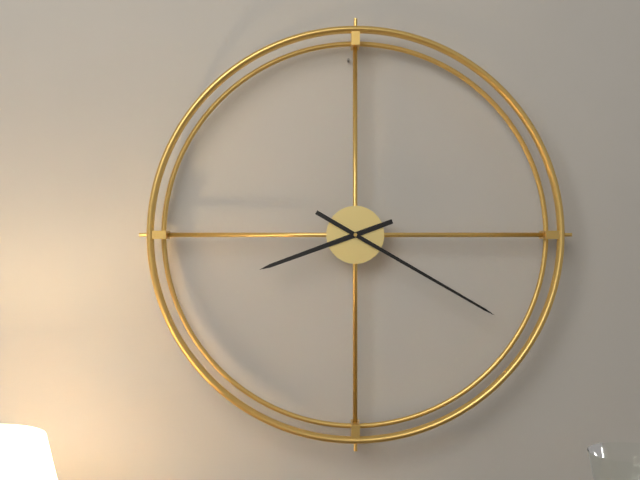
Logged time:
h=8 m=20
